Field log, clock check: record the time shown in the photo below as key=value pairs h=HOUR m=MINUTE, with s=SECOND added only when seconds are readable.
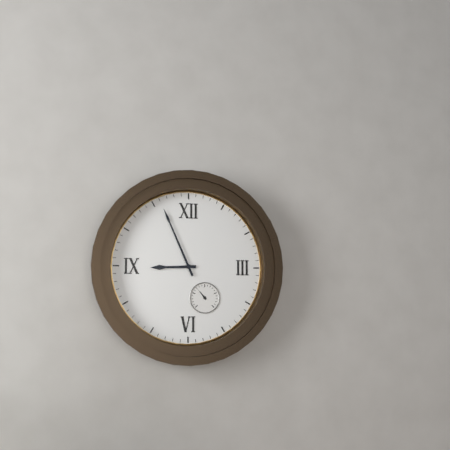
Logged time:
h=8 m=56
